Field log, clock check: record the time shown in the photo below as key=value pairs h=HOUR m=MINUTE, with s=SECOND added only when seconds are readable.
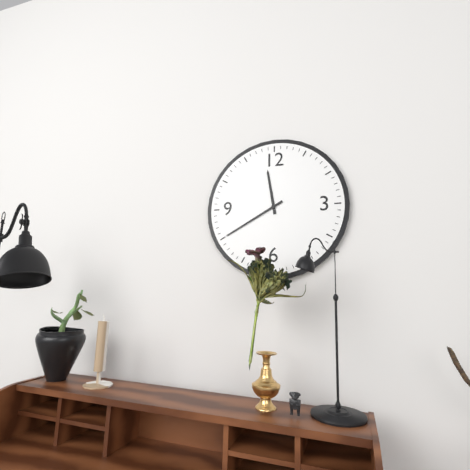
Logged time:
h=11 m=40
